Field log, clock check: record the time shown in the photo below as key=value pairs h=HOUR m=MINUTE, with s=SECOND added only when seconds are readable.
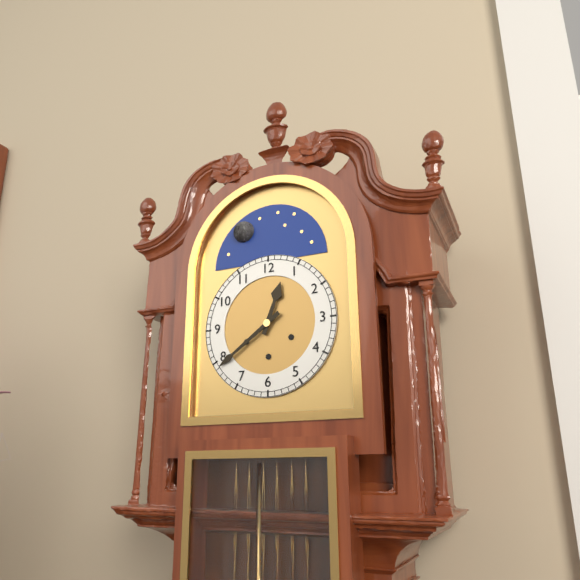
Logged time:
h=12 m=39
